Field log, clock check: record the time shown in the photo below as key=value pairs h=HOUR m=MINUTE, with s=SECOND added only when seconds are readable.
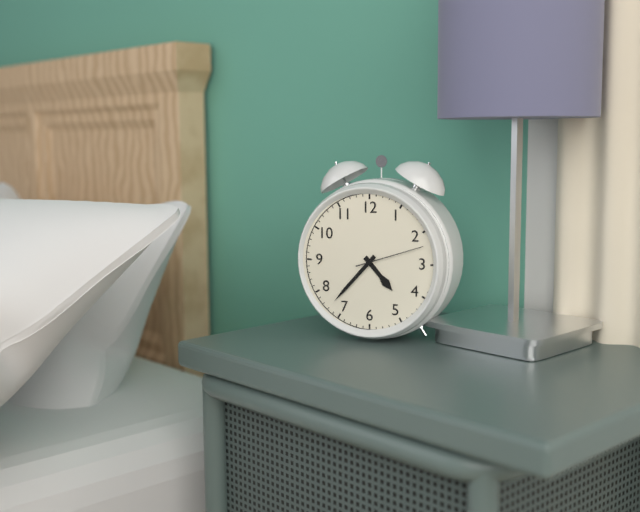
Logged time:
h=4 m=37 s=12
